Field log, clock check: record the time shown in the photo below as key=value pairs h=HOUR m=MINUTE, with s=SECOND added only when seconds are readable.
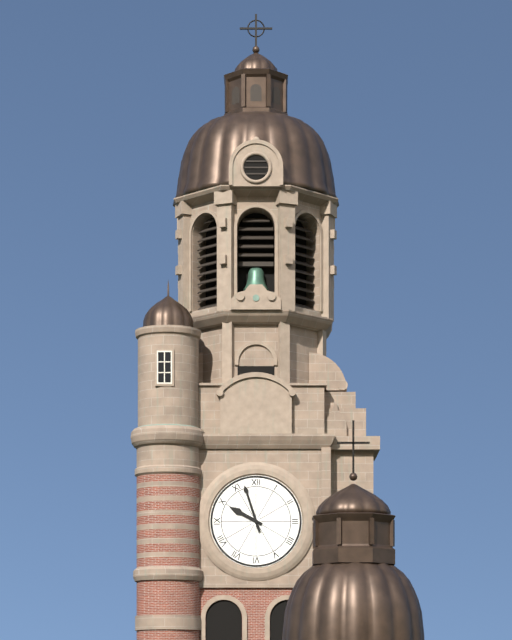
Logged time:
h=9 m=57
